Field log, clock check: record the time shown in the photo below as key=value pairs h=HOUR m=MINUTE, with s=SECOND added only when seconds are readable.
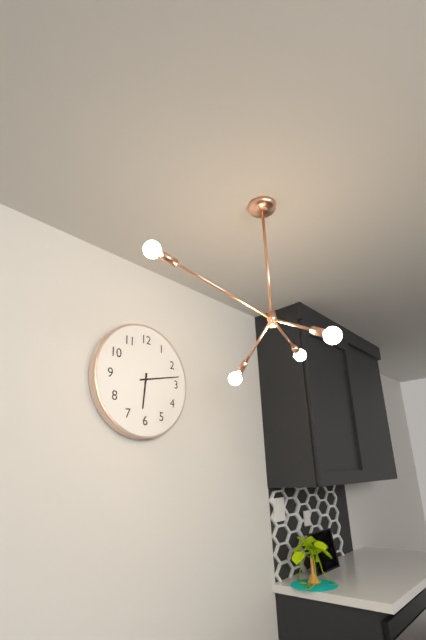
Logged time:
h=6 m=13
